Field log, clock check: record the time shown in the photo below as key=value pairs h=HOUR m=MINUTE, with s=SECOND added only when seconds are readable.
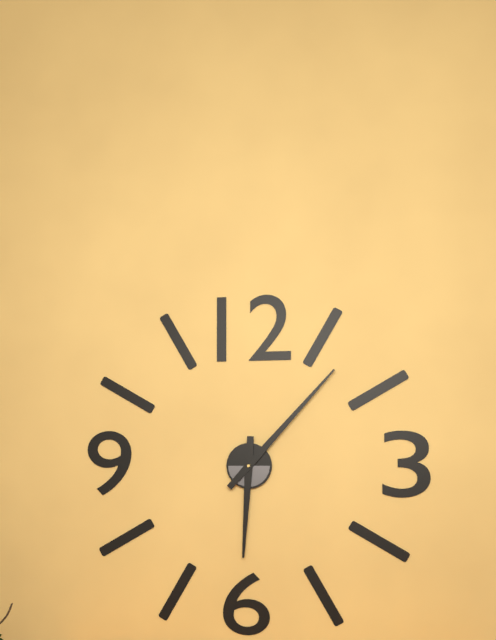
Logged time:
h=6 m=7
